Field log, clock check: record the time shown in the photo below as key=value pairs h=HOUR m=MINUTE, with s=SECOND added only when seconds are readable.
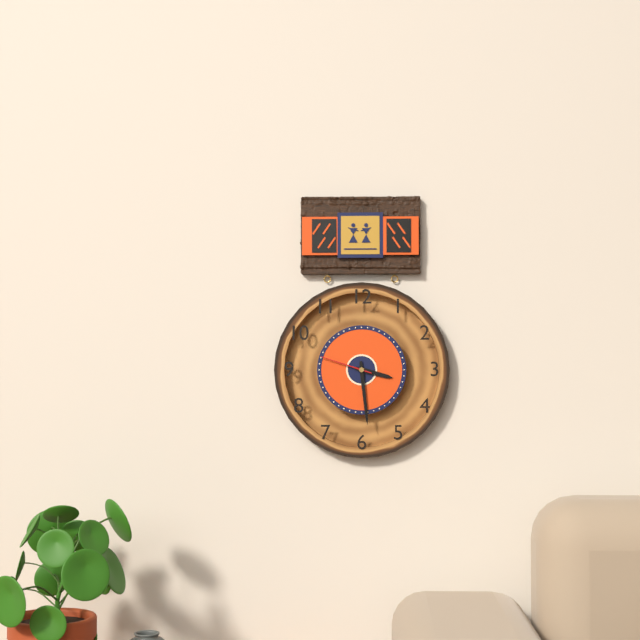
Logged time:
h=3 m=29 s=48
